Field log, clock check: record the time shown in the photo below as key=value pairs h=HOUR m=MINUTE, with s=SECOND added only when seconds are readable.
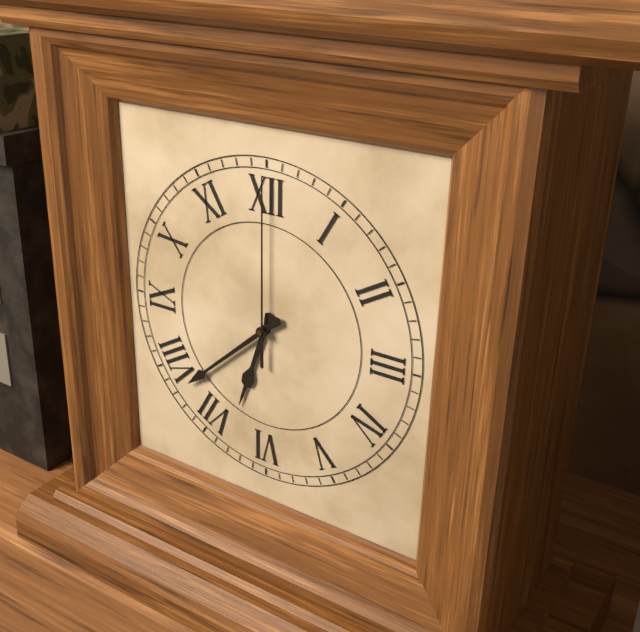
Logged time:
h=6 m=38 s=0
